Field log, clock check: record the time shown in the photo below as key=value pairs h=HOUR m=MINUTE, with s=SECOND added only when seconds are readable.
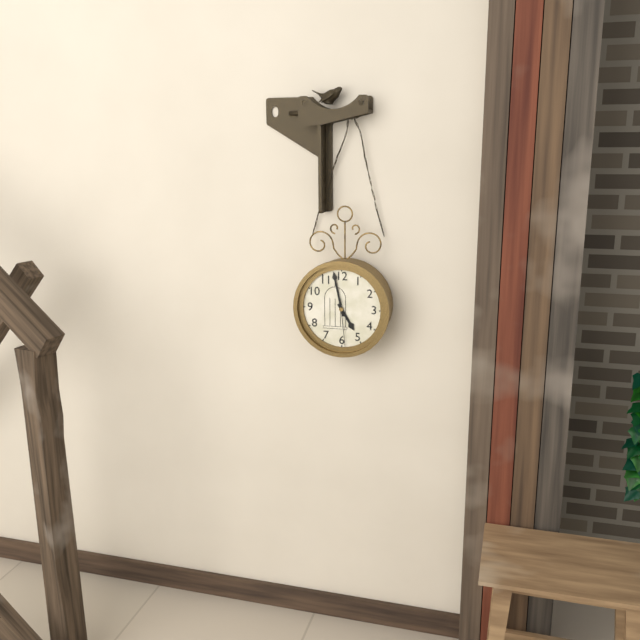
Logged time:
h=4 m=58 s=29
